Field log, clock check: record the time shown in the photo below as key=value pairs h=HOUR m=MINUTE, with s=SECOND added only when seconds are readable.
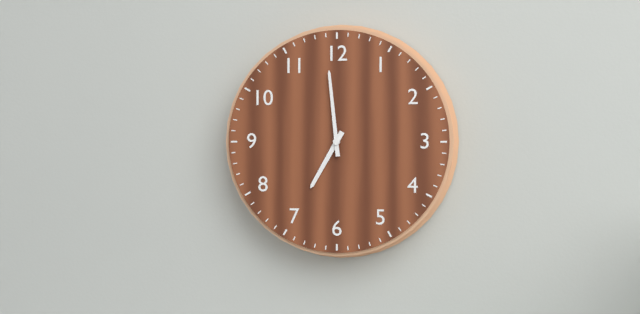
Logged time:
h=6 m=59
